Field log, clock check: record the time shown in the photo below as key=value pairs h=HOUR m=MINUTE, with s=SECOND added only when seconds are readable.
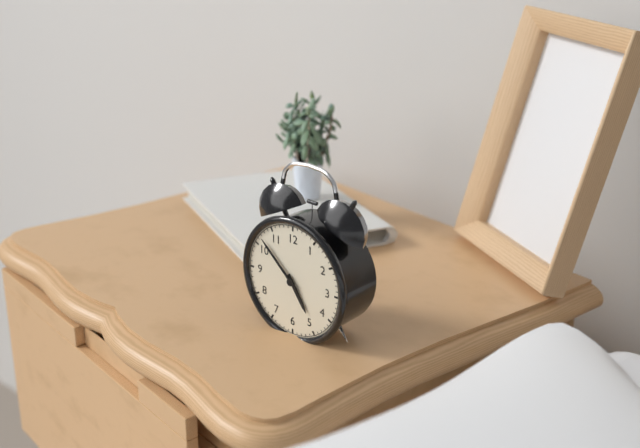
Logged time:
h=4 m=52
